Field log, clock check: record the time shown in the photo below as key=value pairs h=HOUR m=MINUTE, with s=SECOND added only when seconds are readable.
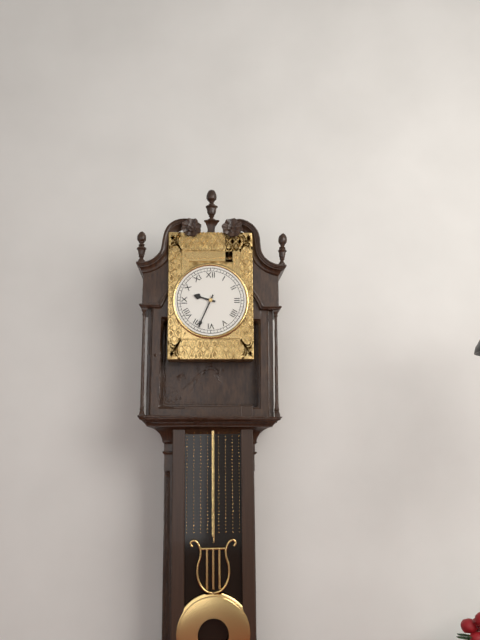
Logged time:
h=9 m=34
